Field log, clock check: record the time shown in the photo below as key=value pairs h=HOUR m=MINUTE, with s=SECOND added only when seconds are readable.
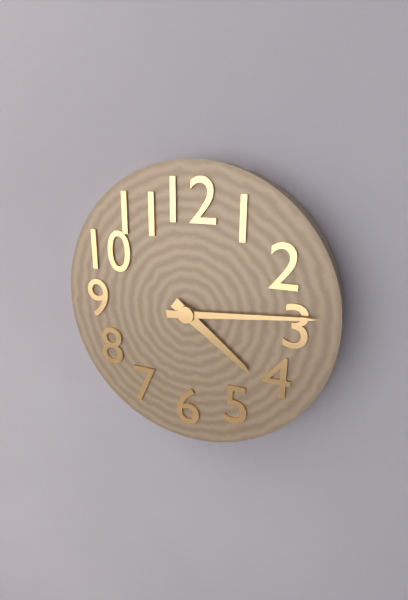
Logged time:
h=4 m=14
